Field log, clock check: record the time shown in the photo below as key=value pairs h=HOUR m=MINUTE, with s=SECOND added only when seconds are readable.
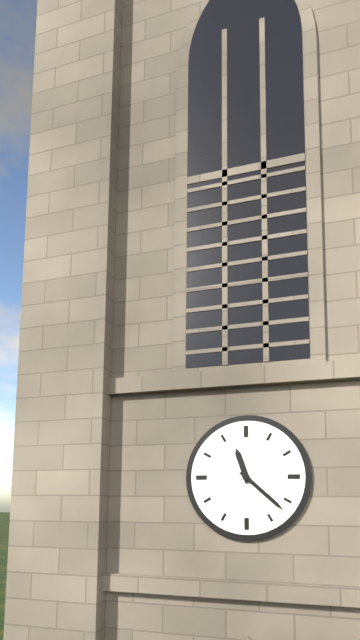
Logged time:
h=11 m=22
